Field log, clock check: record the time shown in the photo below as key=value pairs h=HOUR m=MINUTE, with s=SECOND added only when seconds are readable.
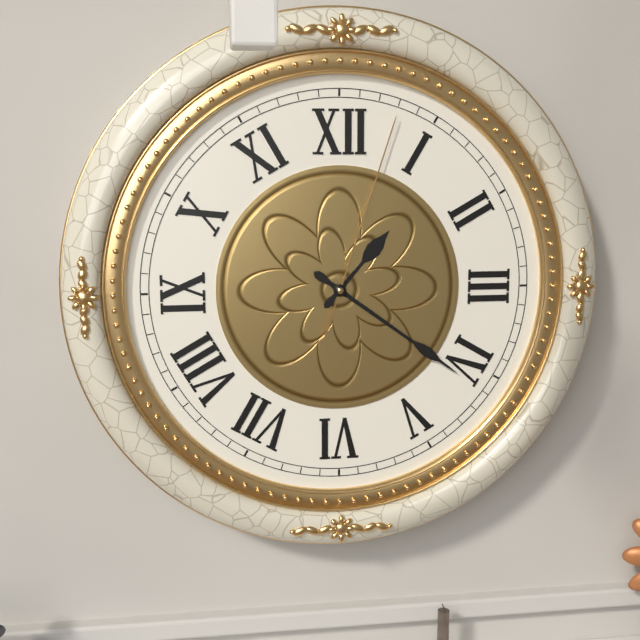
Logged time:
h=1 m=21 s=3
